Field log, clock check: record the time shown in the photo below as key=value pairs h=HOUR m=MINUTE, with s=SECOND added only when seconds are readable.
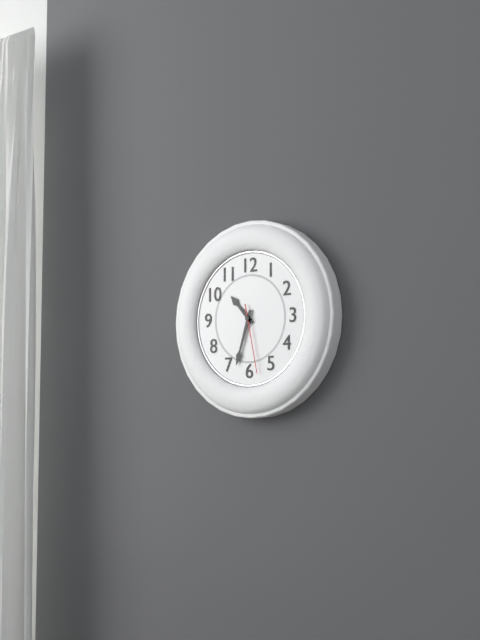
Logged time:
h=10 m=33 s=28
